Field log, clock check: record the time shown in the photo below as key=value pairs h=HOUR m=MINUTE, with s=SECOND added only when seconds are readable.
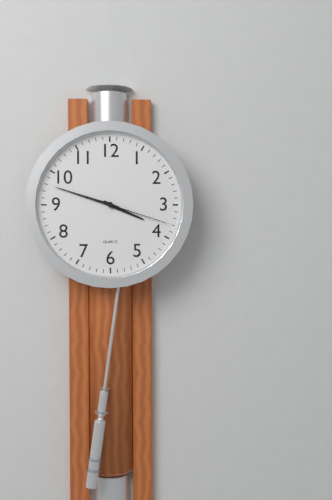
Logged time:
h=3 m=48 s=18
